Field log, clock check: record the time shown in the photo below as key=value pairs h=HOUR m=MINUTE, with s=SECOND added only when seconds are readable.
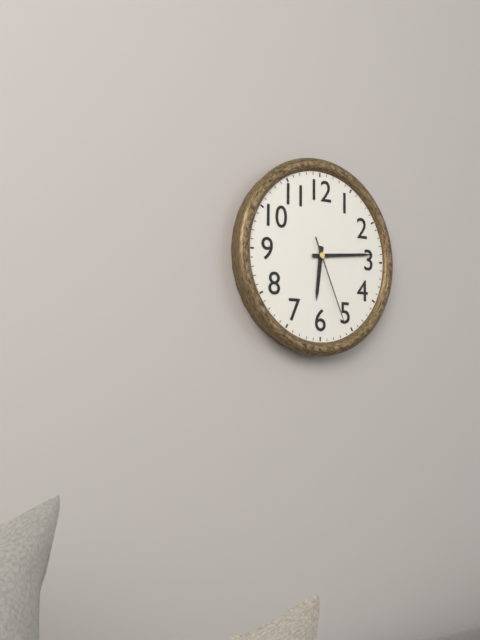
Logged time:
h=6 m=14 s=26
